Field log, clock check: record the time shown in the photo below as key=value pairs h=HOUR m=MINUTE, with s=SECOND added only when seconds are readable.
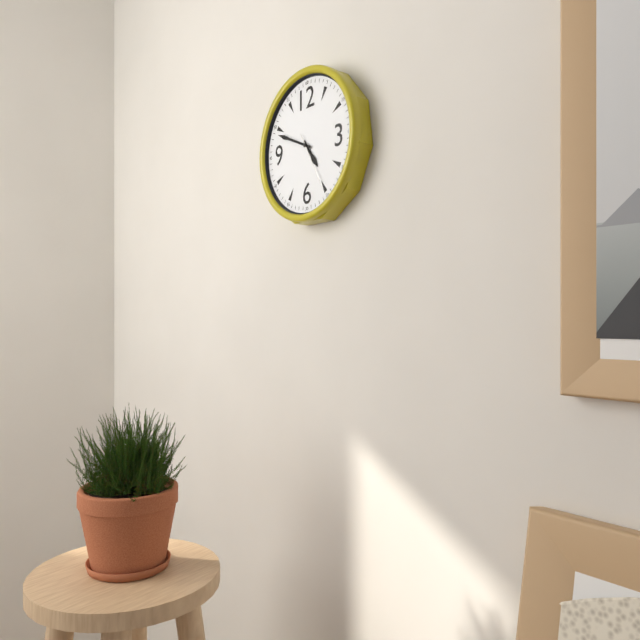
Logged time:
h=4 m=49 s=25
